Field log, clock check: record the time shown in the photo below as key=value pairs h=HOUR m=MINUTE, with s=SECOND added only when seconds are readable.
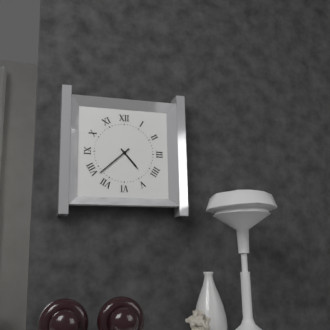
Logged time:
h=4 m=38
